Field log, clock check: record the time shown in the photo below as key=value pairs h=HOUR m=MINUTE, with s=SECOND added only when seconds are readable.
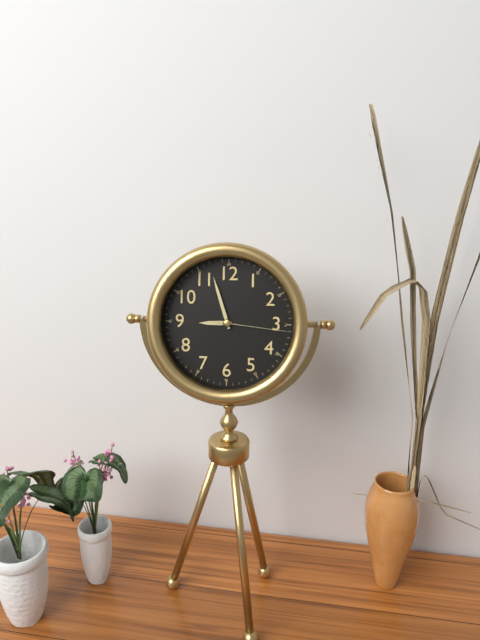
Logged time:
h=8 m=57 s=16
